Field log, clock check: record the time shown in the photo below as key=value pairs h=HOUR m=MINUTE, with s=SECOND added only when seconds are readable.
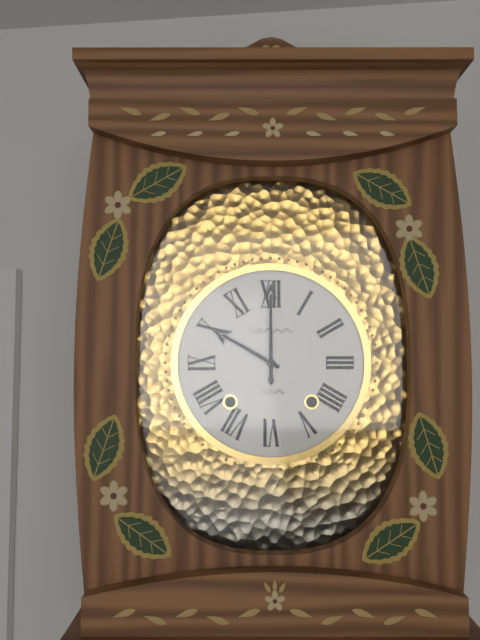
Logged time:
h=10 m=0
